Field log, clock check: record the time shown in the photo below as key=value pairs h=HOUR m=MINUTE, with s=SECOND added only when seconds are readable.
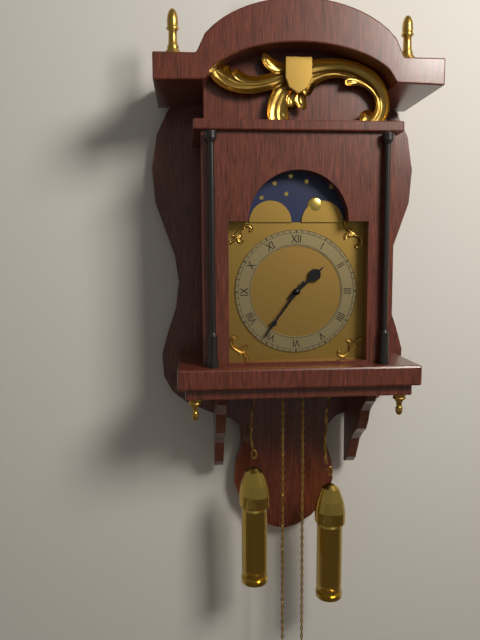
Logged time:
h=1 m=36
